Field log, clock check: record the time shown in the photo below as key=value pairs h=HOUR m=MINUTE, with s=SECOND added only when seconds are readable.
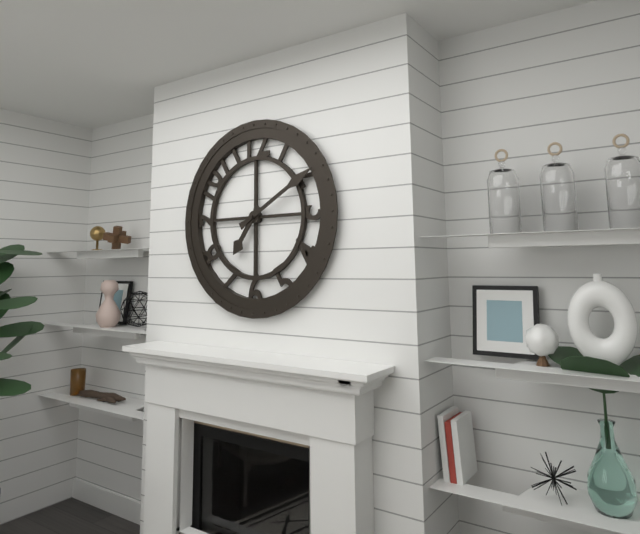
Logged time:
h=7 m=10
